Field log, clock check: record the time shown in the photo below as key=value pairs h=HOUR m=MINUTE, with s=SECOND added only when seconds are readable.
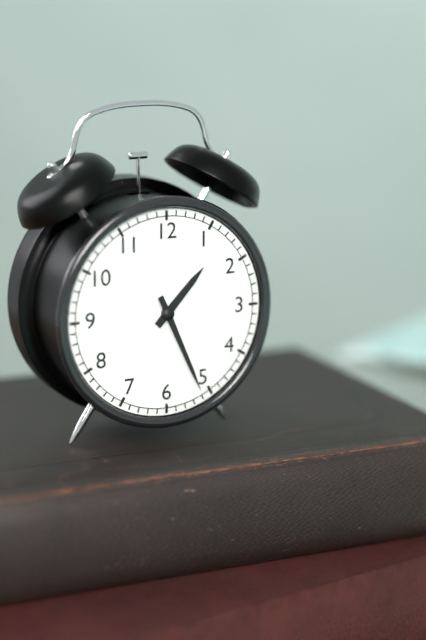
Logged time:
h=1 m=26
